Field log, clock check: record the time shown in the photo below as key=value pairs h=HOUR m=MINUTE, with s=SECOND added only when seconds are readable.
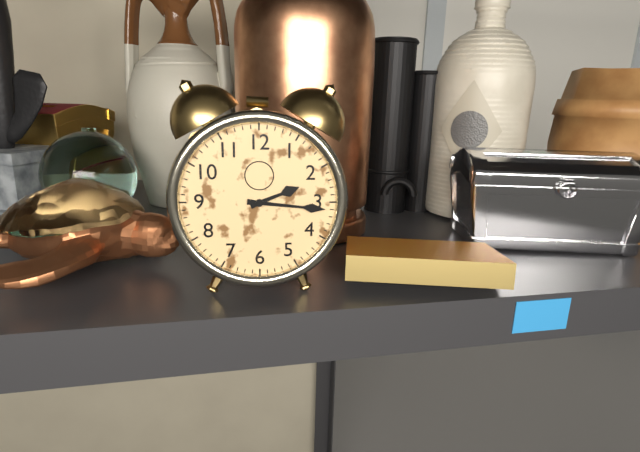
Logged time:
h=2 m=16
